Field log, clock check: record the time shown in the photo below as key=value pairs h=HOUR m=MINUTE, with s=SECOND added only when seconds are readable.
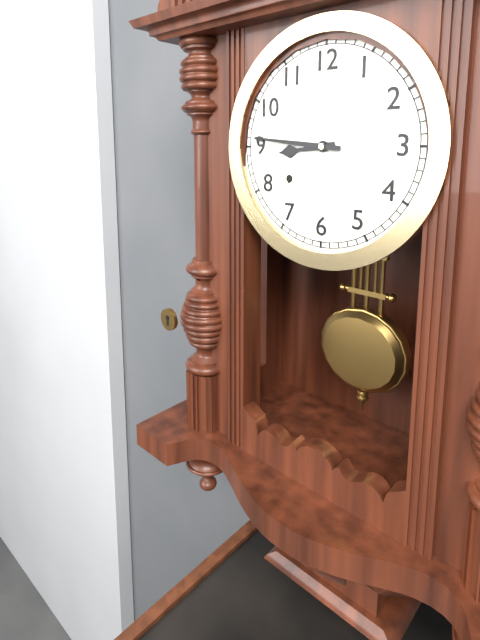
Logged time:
h=8 m=46
